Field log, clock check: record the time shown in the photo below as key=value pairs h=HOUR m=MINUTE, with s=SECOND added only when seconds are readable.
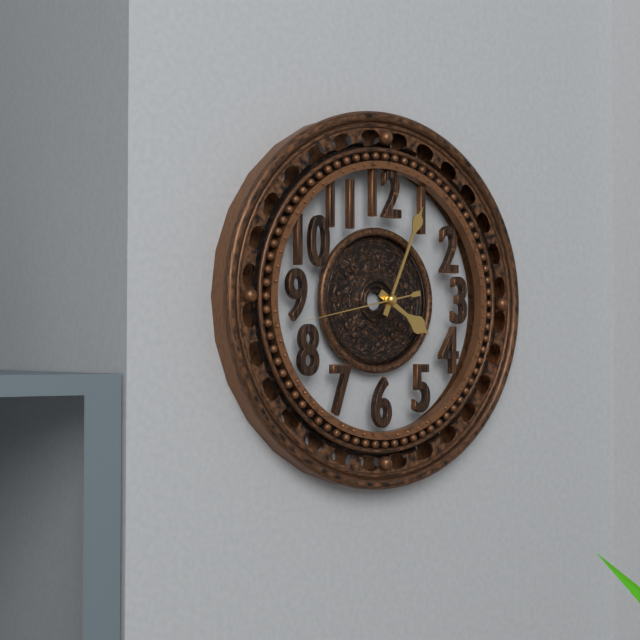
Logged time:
h=4 m=4 s=43
